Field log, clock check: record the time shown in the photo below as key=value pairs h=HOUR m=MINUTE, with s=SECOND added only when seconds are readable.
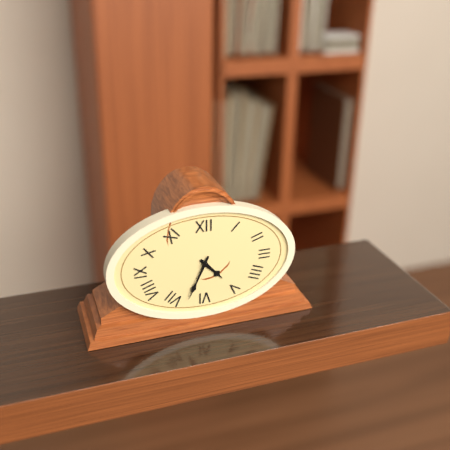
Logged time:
h=4 m=34
